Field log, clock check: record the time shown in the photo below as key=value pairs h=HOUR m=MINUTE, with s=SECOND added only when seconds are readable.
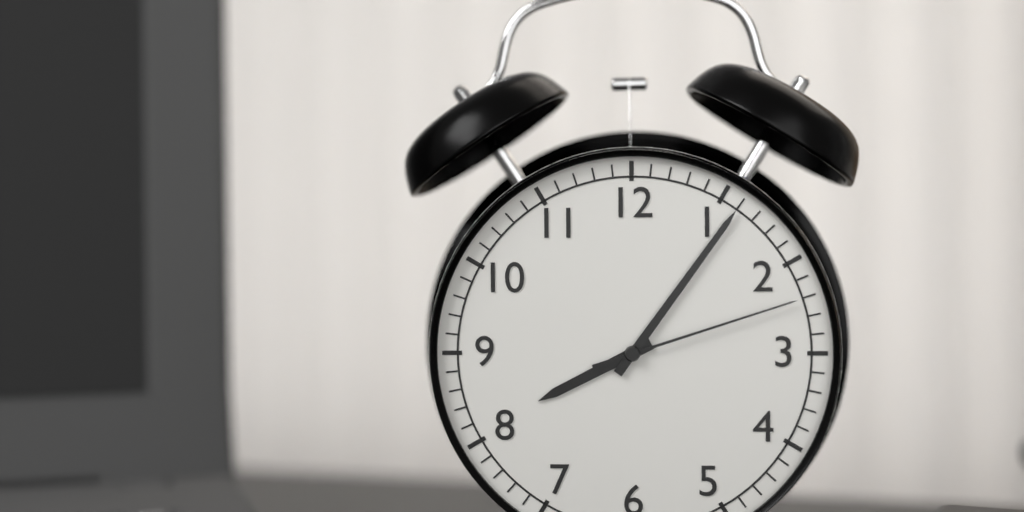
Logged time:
h=8 m=6 s=12
